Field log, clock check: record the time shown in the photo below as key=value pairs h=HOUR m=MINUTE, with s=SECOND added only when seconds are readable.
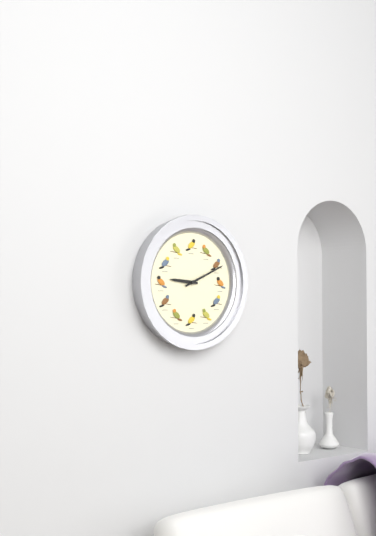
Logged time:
h=9 m=11
